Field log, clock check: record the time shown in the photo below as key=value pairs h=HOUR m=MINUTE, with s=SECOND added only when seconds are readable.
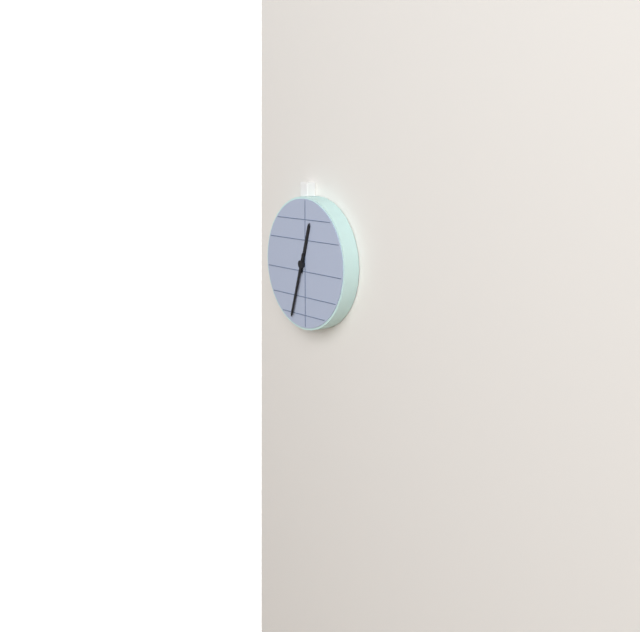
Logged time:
h=12 m=33
